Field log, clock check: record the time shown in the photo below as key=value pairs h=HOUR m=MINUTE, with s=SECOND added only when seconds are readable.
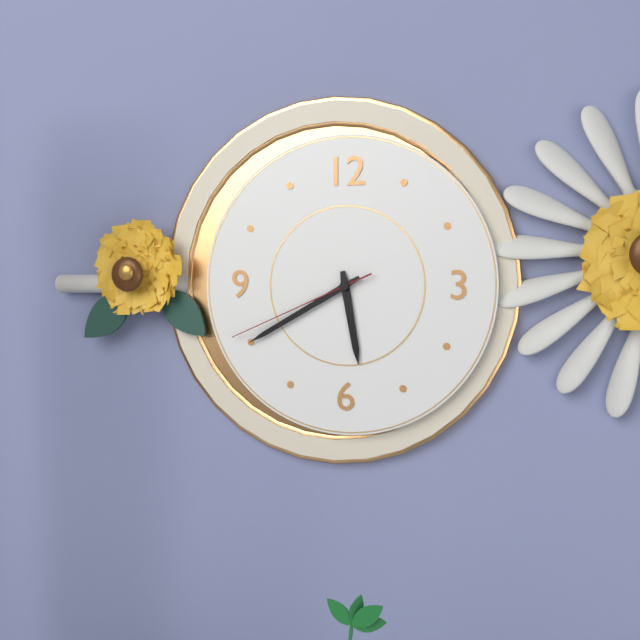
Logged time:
h=5 m=40 s=41
